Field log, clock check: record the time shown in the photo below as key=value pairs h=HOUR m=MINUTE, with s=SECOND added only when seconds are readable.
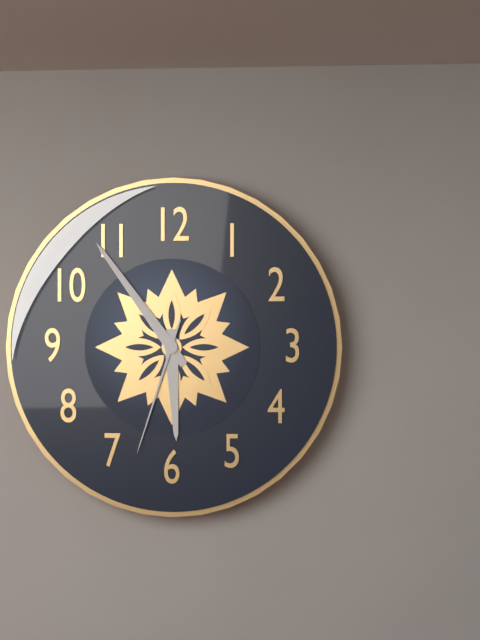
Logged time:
h=5 m=54 s=33
